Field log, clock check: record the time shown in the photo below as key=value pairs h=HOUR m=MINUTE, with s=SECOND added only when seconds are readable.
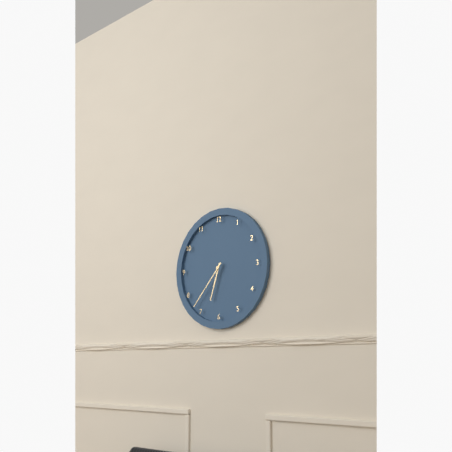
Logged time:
h=6 m=37
